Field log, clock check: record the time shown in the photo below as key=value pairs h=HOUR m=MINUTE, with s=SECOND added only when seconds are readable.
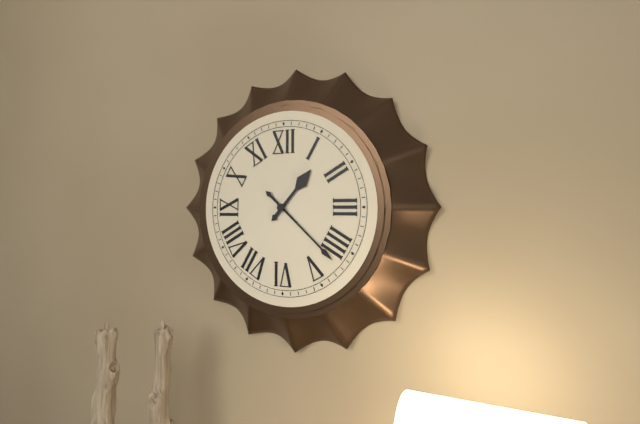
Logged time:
h=1 m=22
